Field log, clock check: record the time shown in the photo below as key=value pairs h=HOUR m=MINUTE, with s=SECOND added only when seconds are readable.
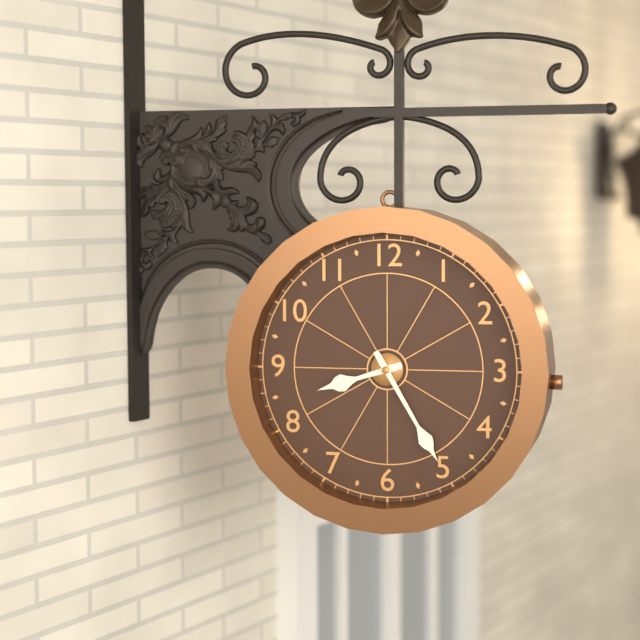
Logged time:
h=8 m=25
